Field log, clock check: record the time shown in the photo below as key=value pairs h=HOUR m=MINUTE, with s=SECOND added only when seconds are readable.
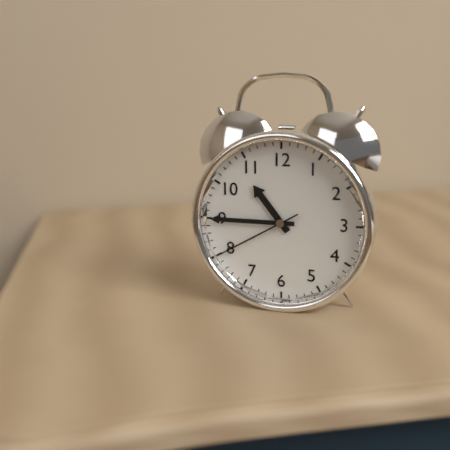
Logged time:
h=10 m=45 s=40
